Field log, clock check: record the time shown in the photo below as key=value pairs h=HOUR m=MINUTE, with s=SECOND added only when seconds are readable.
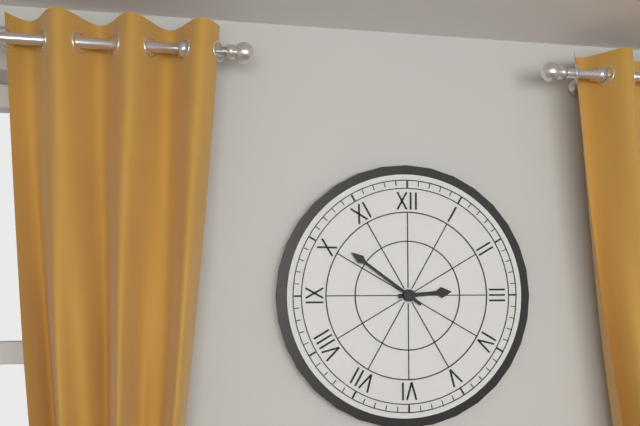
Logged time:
h=2 m=51
